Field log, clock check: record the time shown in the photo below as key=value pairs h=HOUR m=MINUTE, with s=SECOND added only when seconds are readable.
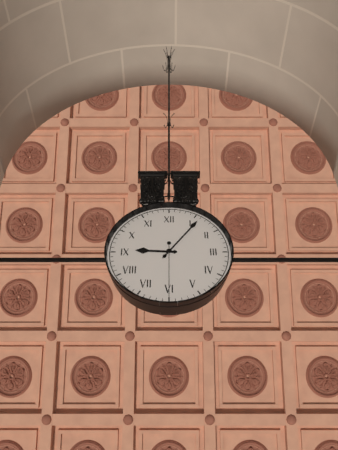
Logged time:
h=9 m=6 s=30
